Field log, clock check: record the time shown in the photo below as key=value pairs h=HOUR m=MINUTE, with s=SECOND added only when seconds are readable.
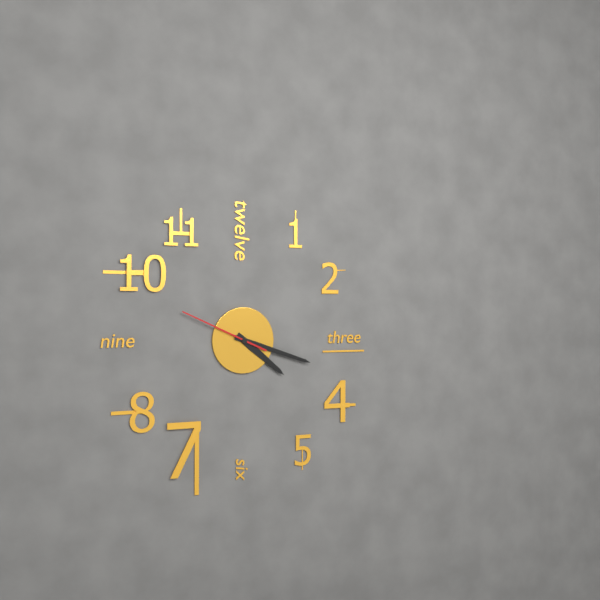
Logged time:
h=4 m=18 s=49
